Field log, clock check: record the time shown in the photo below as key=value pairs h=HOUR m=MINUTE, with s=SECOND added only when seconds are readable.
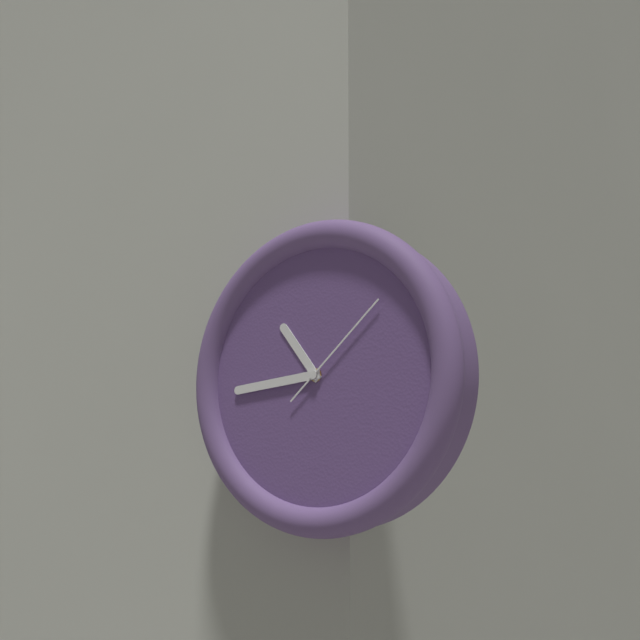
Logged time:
h=10 m=44 s=8
